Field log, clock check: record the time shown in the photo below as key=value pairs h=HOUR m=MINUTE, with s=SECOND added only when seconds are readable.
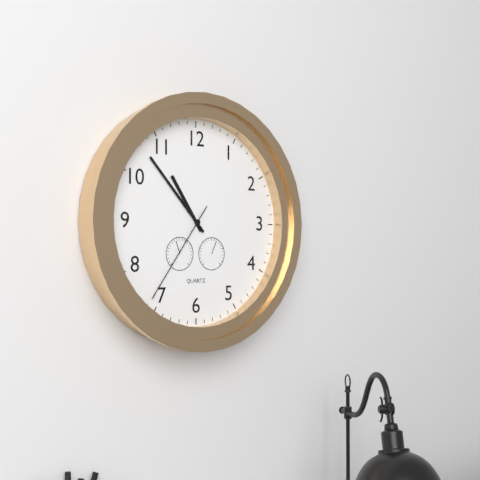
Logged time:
h=10 m=53 s=36
